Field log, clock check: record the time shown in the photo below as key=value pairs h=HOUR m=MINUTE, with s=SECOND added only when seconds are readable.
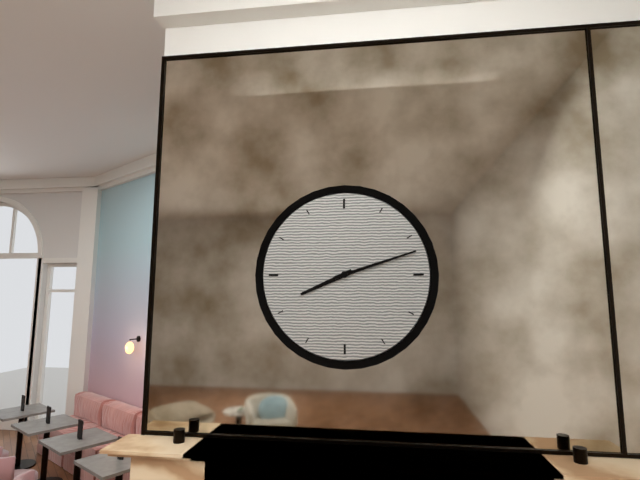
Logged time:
h=8 m=12
